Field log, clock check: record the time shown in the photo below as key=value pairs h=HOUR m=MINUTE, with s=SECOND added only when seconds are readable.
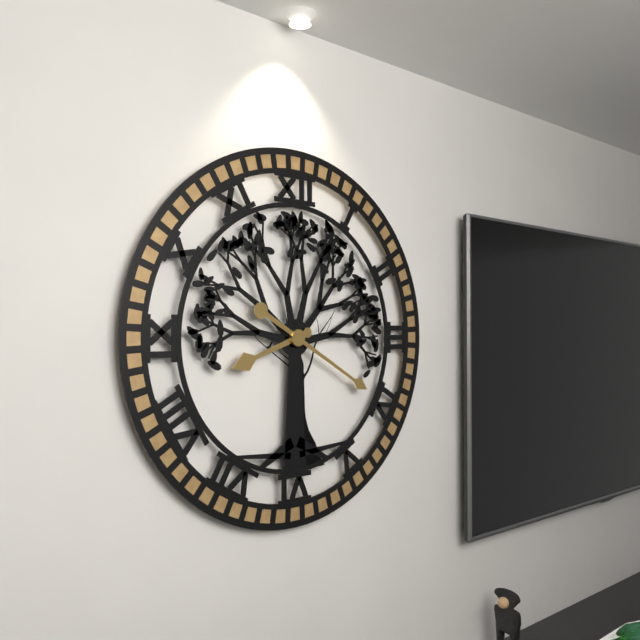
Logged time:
h=8 m=20
